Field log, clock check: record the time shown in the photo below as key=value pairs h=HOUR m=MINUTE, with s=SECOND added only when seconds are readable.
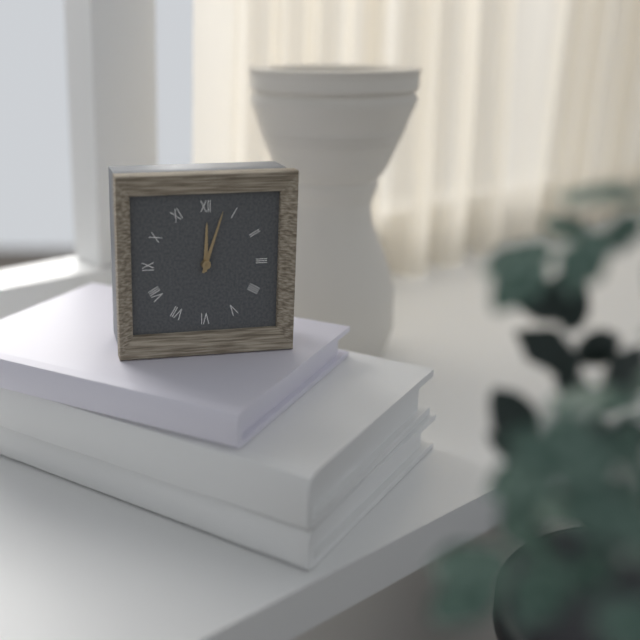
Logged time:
h=12 m=3
